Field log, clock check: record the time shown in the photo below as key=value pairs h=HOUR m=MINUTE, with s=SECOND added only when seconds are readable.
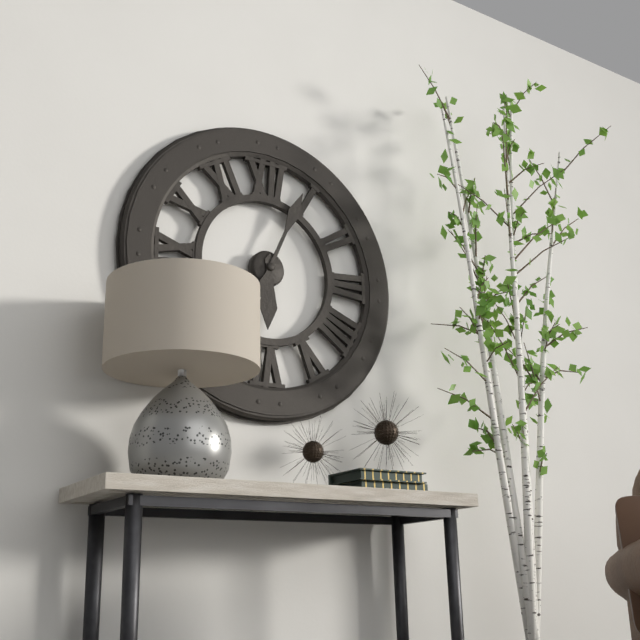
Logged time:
h=6 m=4
